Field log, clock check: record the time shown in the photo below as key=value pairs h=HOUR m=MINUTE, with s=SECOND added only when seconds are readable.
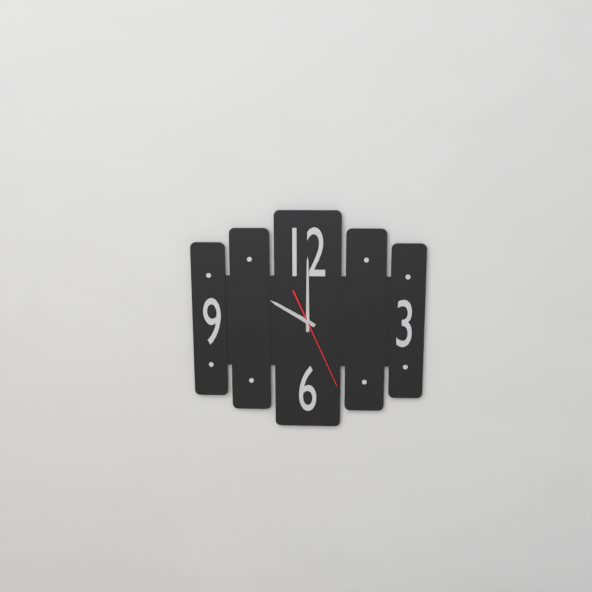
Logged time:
h=10 m=0 s=26
